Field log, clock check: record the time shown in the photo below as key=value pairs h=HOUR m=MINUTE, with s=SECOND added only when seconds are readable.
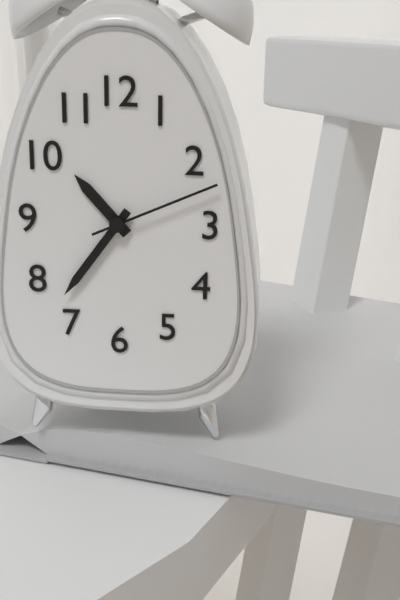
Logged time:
h=10 m=36 s=11
